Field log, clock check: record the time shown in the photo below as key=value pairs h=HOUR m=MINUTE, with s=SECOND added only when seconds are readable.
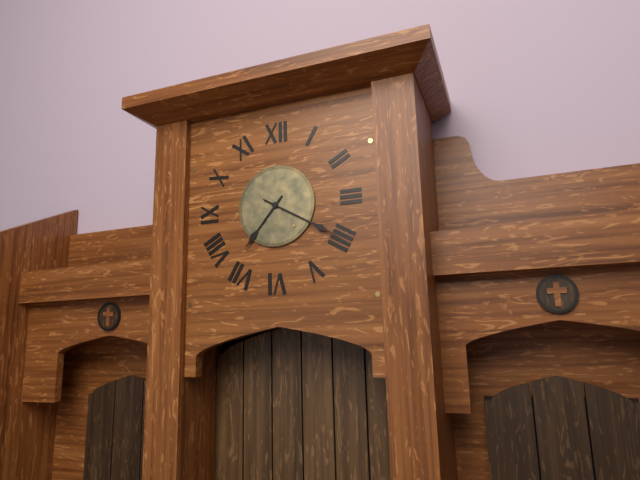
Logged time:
h=7 m=20
